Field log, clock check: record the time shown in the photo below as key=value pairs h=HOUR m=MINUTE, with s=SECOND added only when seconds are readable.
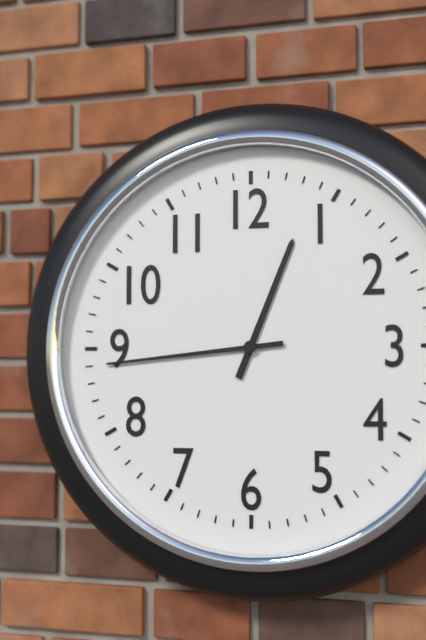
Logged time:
h=12 m=44
